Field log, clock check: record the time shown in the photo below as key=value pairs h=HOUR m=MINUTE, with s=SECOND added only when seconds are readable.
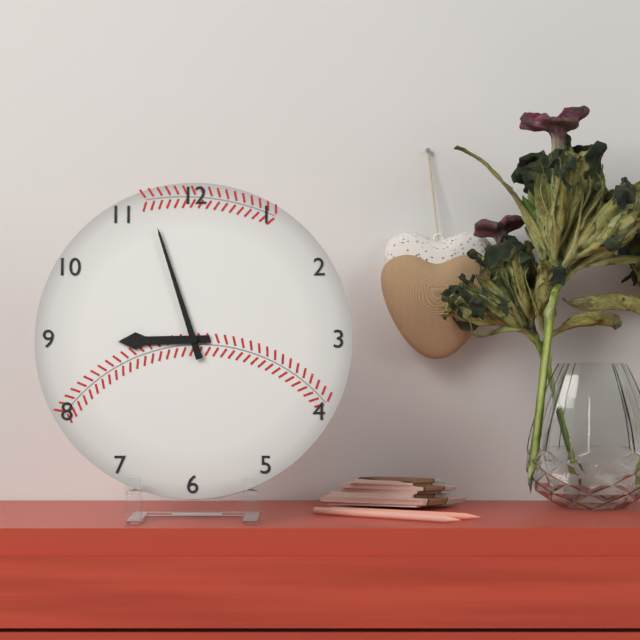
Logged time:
h=8 m=57
